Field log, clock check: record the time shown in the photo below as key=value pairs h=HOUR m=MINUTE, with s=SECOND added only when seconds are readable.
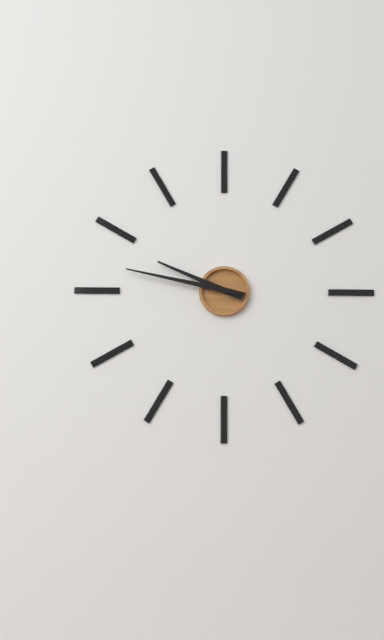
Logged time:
h=9 m=47
